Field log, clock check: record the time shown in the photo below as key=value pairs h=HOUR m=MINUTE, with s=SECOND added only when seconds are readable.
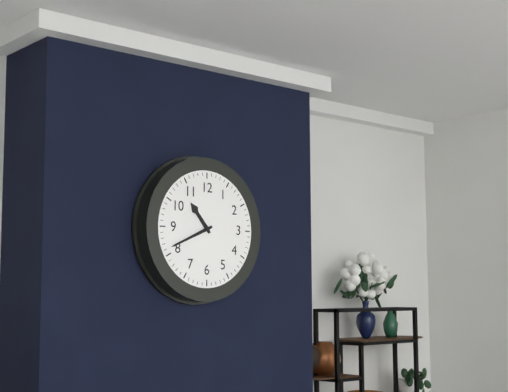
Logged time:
h=10 m=41
